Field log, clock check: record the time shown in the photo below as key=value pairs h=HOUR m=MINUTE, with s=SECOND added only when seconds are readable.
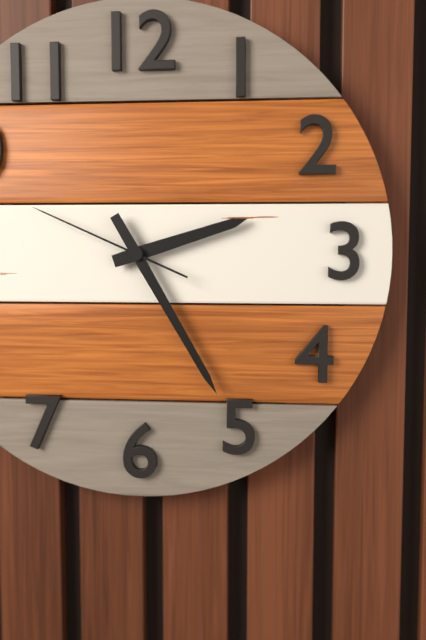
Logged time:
h=2 m=25 s=49
